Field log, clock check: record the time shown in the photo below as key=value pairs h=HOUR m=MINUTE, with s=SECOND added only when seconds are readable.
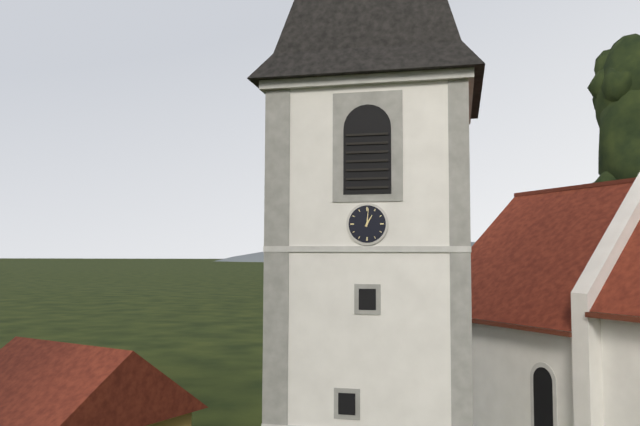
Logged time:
h=1 m=1
